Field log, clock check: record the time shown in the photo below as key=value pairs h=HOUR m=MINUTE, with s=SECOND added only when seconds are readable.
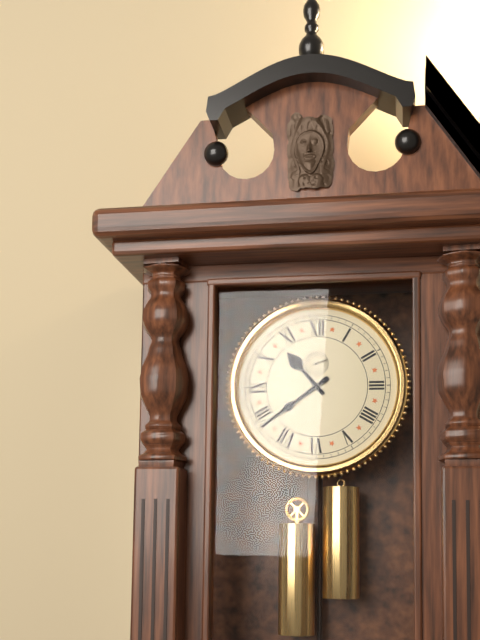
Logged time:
h=10 m=39
